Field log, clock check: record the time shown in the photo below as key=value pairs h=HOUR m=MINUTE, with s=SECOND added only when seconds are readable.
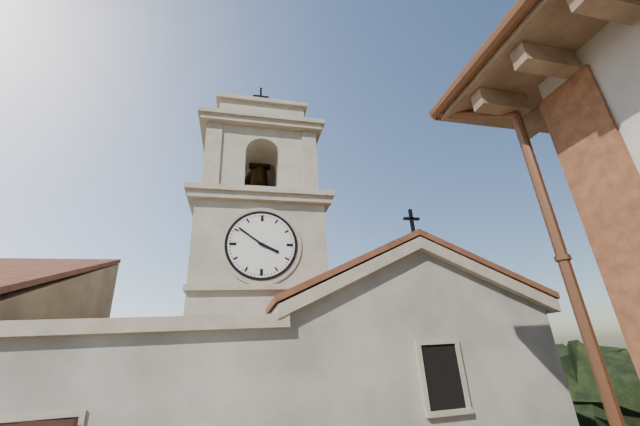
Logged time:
h=3 m=51
